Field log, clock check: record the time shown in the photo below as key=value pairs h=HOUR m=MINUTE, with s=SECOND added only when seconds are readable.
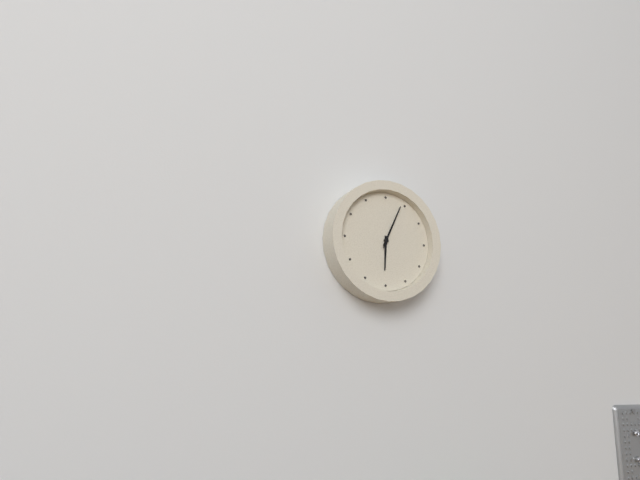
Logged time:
h=6 m=4
